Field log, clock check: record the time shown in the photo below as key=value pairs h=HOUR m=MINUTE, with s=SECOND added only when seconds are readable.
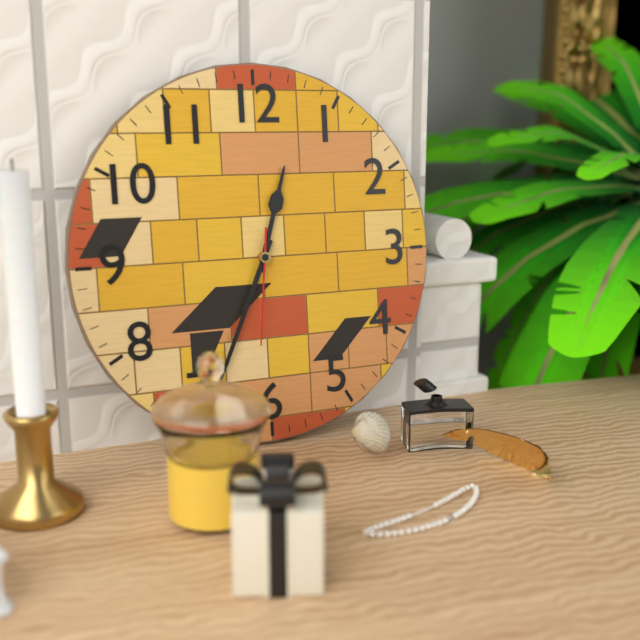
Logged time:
h=12 m=34 s=31
